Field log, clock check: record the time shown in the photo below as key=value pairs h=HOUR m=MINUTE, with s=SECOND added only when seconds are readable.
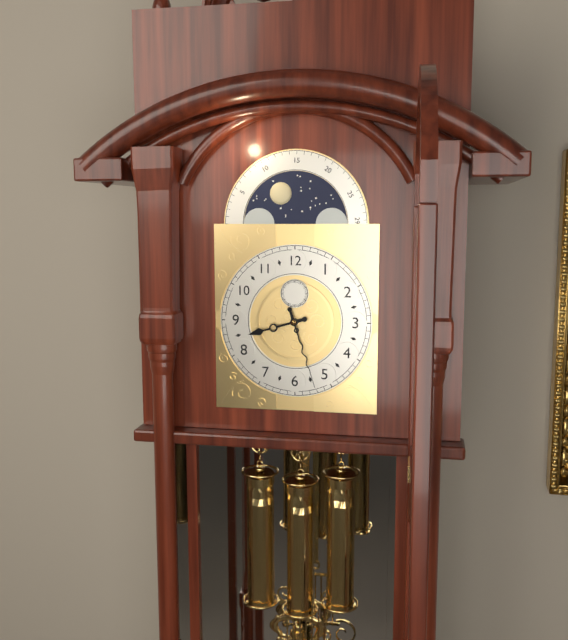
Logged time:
h=8 m=27
